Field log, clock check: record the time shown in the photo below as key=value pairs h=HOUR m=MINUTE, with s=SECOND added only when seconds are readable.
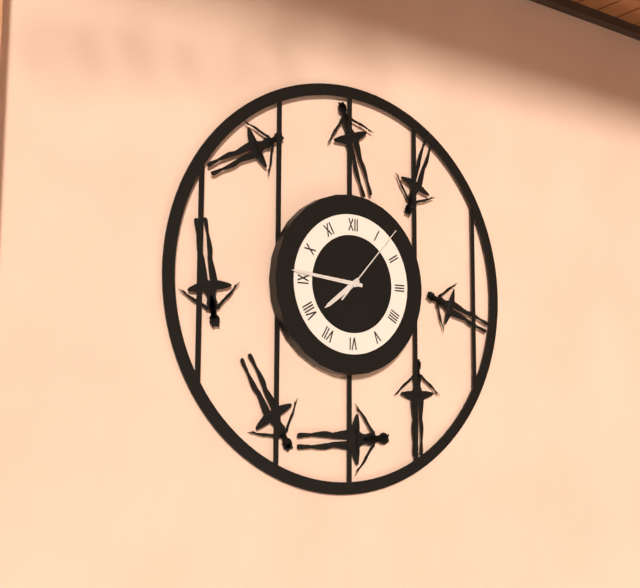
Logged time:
h=7 m=46 s=7
